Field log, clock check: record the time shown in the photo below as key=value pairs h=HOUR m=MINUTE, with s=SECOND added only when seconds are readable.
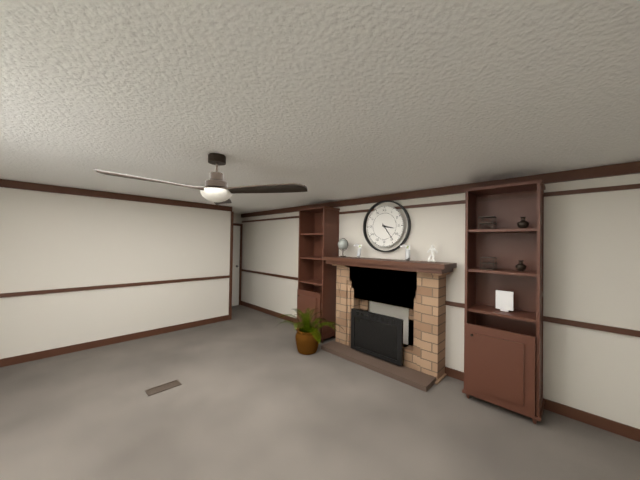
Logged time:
h=3 m=24
